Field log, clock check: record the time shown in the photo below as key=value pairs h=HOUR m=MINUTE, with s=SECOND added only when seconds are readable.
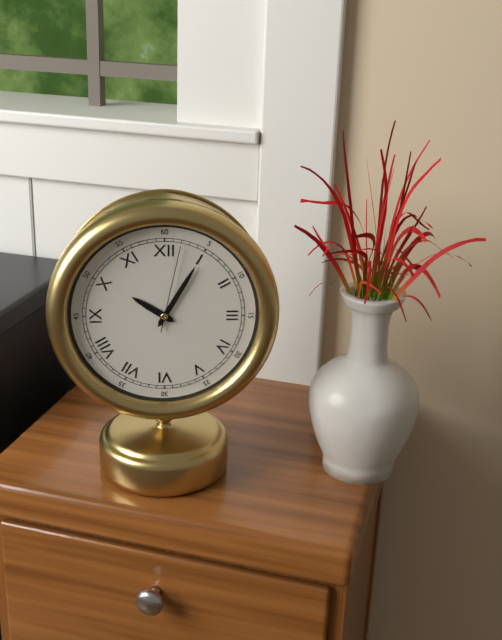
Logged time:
h=10 m=5 s=2
